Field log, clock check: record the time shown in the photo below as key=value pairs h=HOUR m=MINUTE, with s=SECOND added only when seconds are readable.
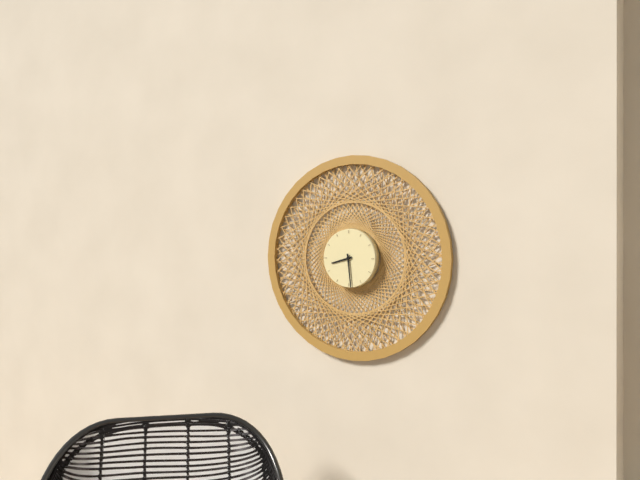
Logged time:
h=8 m=29
